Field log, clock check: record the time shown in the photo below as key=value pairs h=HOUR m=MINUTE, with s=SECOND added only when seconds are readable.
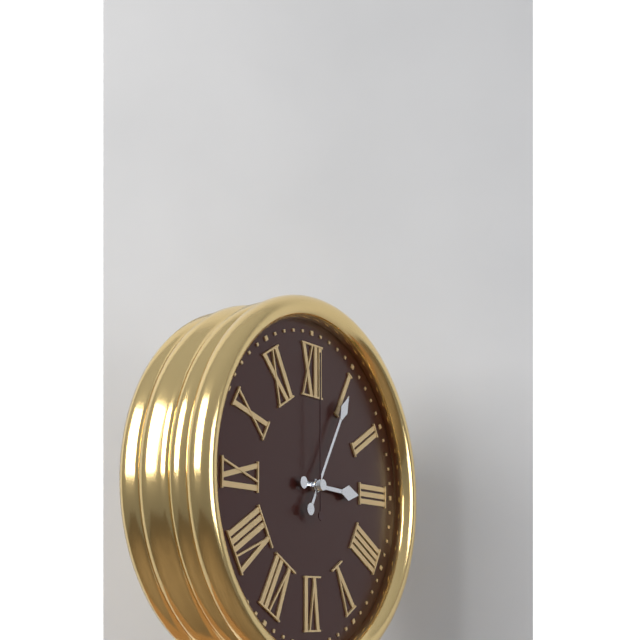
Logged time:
h=3 m=5 s=0
